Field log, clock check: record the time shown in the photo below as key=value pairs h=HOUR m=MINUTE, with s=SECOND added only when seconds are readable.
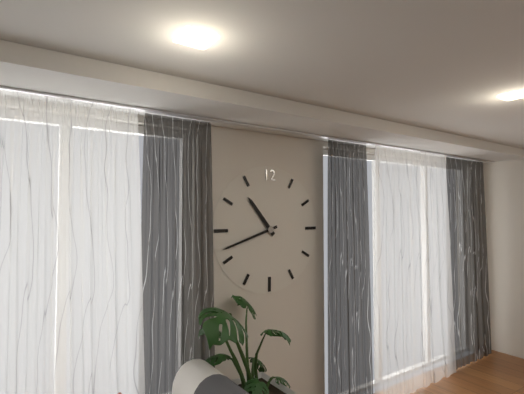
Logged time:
h=10 m=42
